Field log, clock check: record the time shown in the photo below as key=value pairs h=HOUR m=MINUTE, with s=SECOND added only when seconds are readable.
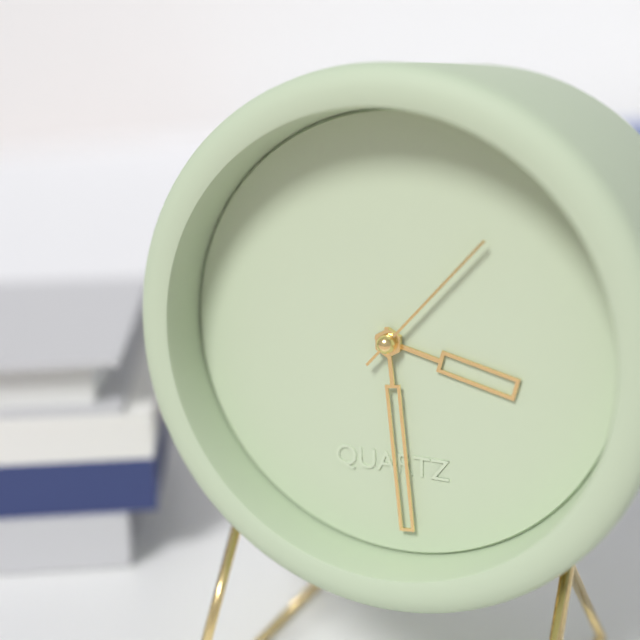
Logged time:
h=3 m=29 s=7
